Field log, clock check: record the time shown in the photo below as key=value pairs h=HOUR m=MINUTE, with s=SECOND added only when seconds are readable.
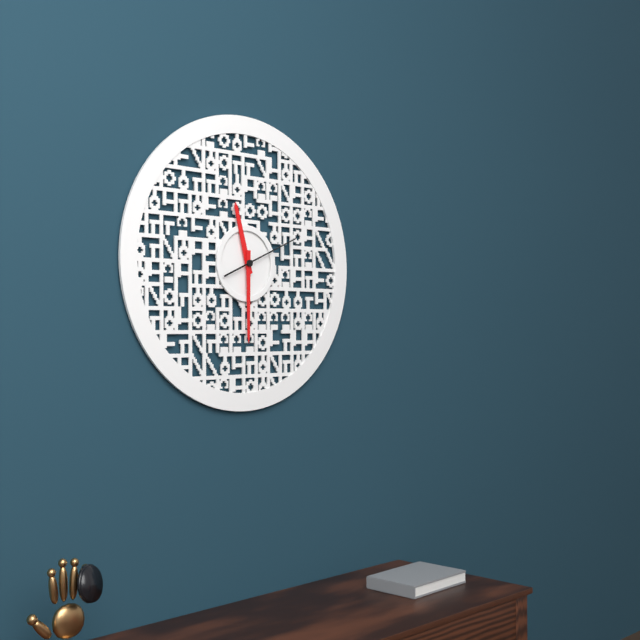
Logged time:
h=11 m=30 s=11
